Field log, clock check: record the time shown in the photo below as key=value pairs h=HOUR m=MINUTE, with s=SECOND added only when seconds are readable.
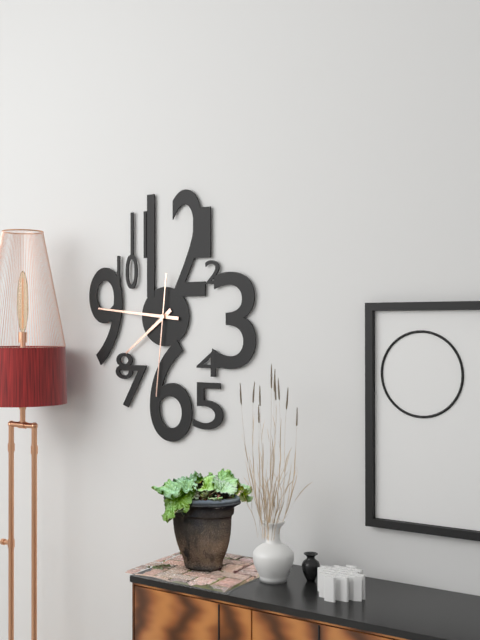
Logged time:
h=7 m=46 s=31
